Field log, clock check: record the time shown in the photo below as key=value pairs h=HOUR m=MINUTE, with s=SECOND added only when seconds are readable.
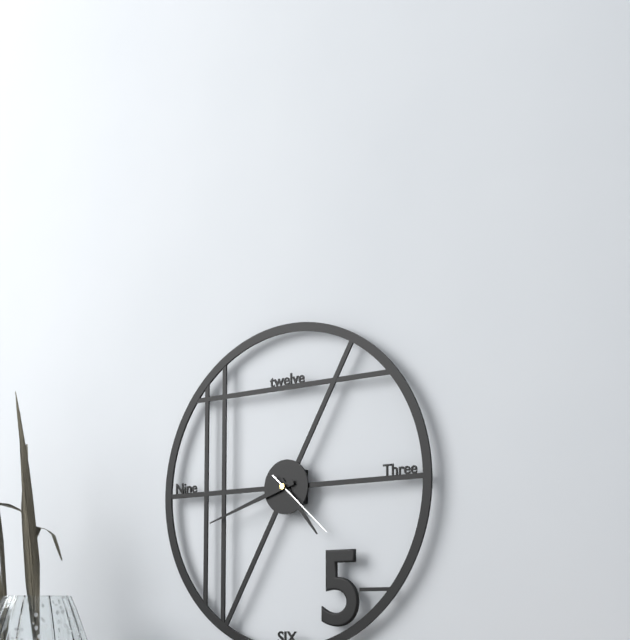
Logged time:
h=4 m=42 s=22
